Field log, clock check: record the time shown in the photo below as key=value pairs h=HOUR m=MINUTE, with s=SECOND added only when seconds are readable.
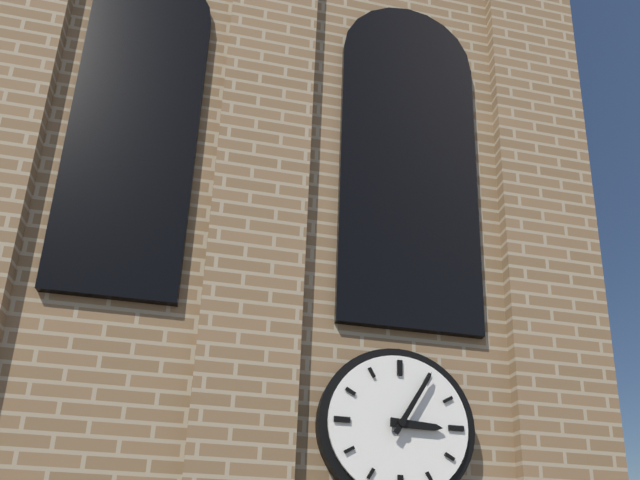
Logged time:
h=3 m=5
